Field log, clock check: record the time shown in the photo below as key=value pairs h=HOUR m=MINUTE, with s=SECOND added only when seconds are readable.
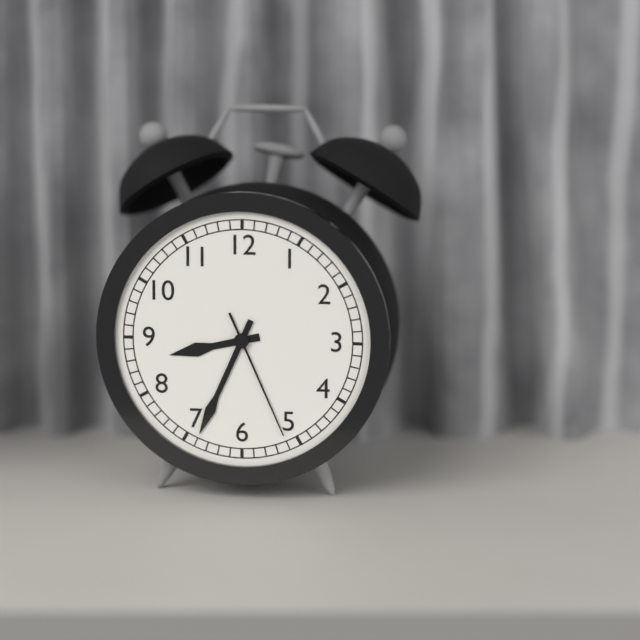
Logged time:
h=8 m=34 s=26
